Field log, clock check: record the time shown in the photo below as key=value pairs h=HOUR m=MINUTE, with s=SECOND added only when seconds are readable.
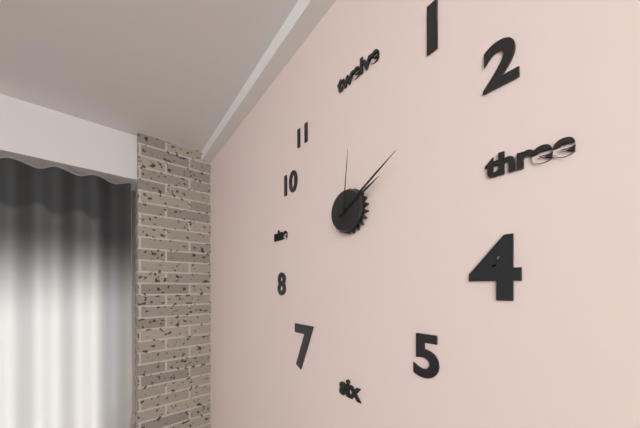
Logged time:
h=2 m=10 s=1
